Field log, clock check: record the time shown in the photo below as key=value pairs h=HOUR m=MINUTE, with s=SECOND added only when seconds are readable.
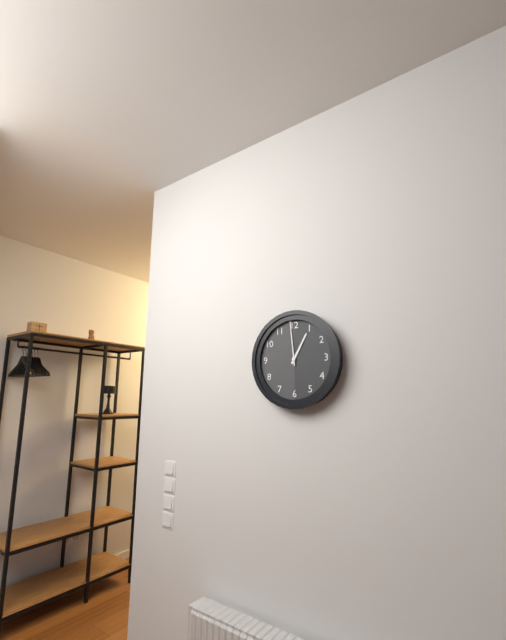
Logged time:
h=12 m=59
